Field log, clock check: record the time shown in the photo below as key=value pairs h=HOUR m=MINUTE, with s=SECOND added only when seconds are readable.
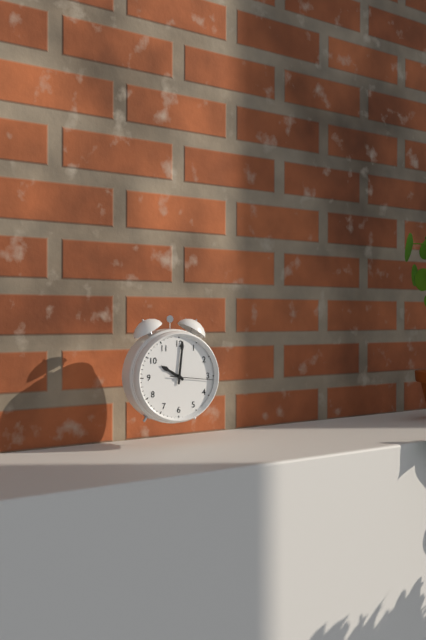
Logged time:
h=10 m=1
